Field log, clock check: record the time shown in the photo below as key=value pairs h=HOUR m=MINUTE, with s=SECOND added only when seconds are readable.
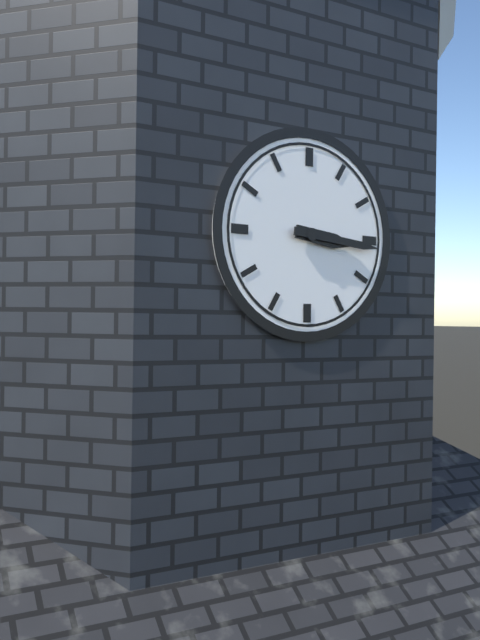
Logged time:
h=3 m=16
